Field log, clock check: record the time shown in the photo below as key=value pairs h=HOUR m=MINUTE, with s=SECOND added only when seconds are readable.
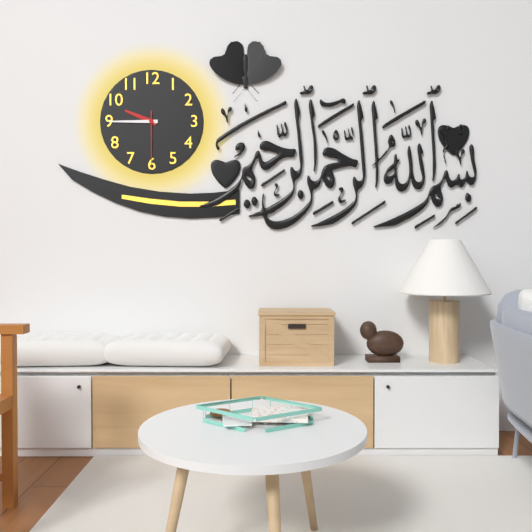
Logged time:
h=9 m=45 s=30
